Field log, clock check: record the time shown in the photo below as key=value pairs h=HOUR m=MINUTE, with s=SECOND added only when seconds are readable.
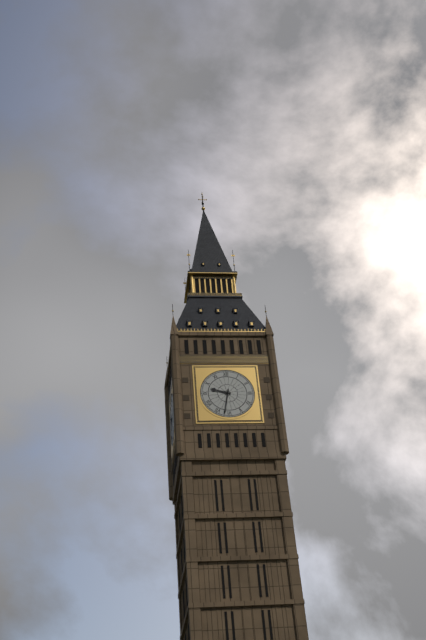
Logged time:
h=9 m=32
